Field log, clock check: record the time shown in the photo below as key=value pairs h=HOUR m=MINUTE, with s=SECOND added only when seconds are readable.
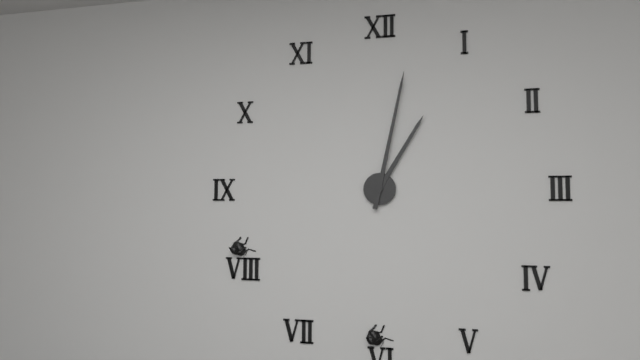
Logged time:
h=1 m=2
